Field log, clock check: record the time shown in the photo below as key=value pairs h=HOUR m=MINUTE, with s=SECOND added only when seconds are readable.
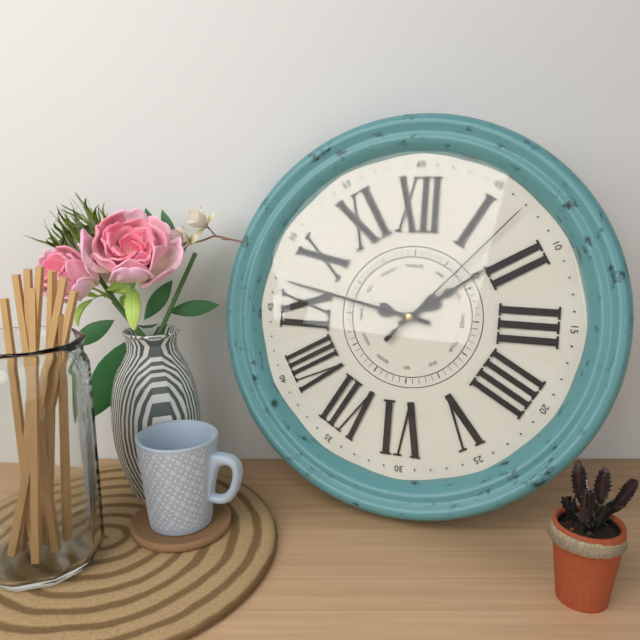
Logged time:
h=1 m=47 s=7
